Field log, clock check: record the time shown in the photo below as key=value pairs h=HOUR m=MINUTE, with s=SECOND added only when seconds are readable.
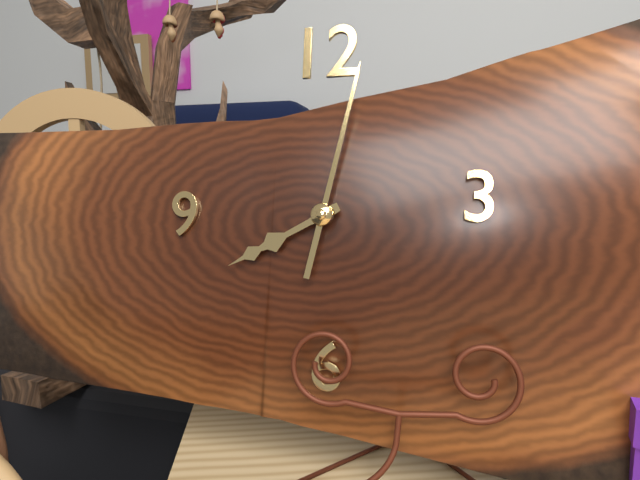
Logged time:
h=8 m=2
